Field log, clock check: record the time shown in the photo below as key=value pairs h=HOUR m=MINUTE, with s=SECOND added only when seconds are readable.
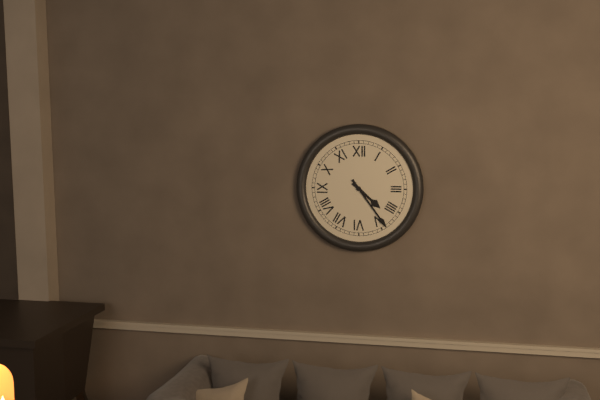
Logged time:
h=4 m=24
